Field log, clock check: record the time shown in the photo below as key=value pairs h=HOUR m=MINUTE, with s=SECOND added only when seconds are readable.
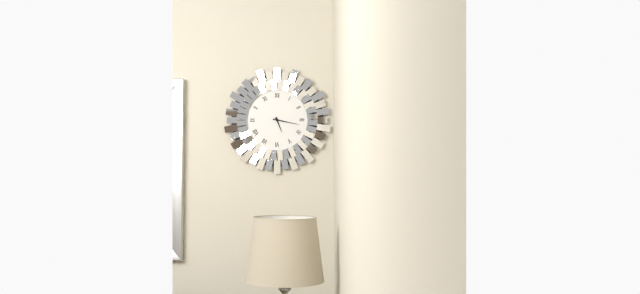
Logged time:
h=5 m=17
